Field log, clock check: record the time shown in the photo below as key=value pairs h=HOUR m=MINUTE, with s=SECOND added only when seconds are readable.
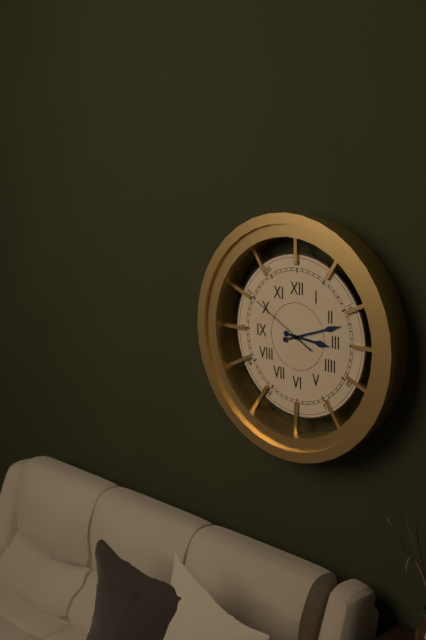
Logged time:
h=3 m=12 s=50
